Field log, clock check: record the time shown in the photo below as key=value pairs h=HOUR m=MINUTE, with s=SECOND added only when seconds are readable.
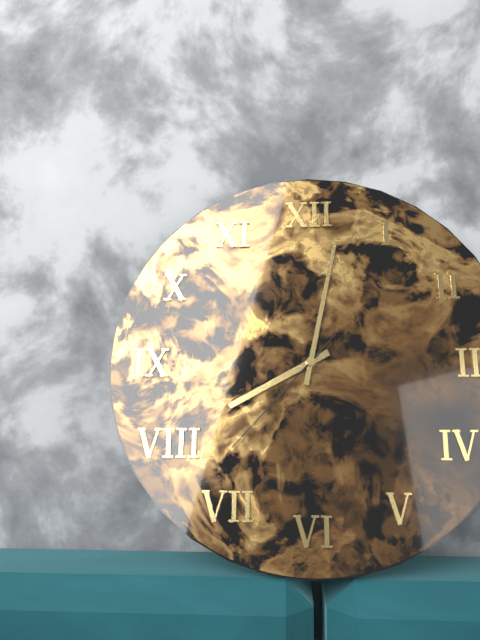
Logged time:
h=8 m=2 s=37
